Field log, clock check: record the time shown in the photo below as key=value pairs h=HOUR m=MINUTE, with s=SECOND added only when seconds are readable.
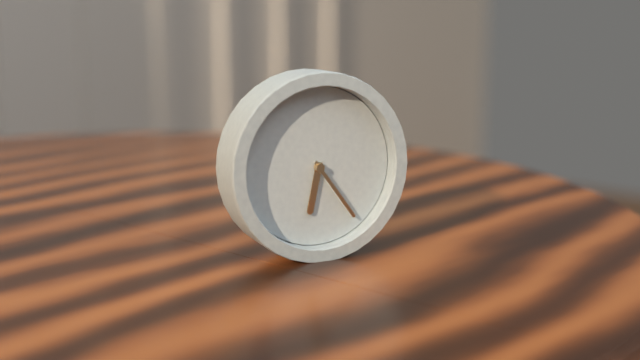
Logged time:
h=6 m=24
